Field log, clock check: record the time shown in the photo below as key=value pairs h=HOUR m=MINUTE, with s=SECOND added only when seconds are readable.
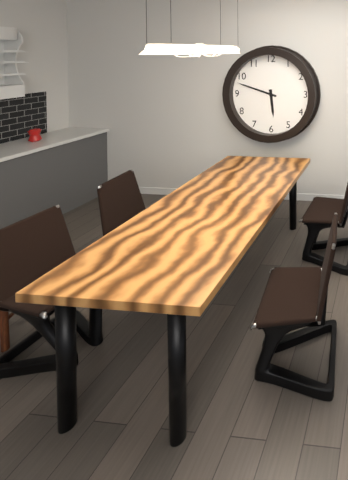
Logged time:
h=5 m=48
